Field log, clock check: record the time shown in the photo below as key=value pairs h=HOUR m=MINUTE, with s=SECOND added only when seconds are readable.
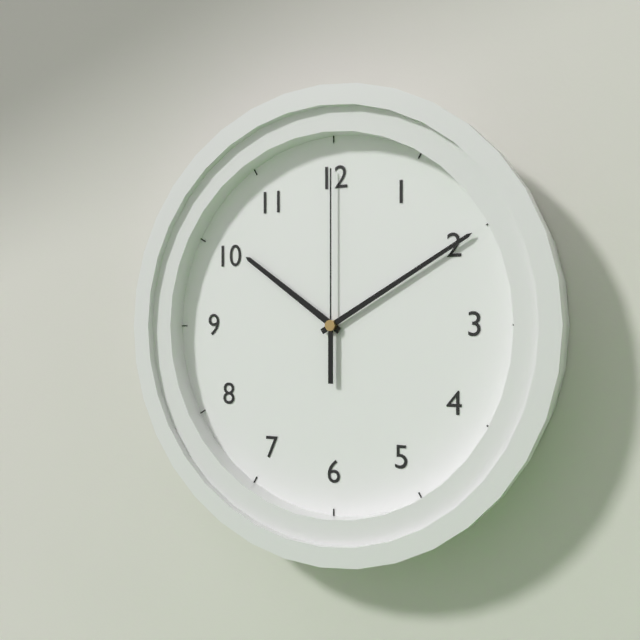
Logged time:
h=10 m=10 s=0
